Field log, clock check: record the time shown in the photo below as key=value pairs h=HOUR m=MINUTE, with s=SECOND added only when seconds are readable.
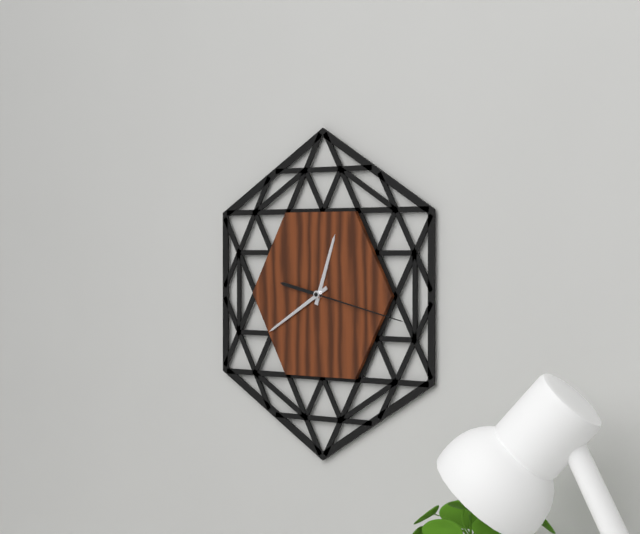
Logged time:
h=12 m=40 s=17
